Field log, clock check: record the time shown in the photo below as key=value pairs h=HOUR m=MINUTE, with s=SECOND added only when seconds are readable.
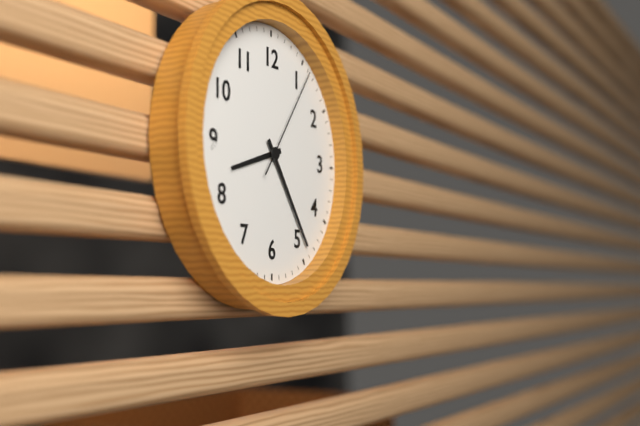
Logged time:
h=8 m=24 s=6
